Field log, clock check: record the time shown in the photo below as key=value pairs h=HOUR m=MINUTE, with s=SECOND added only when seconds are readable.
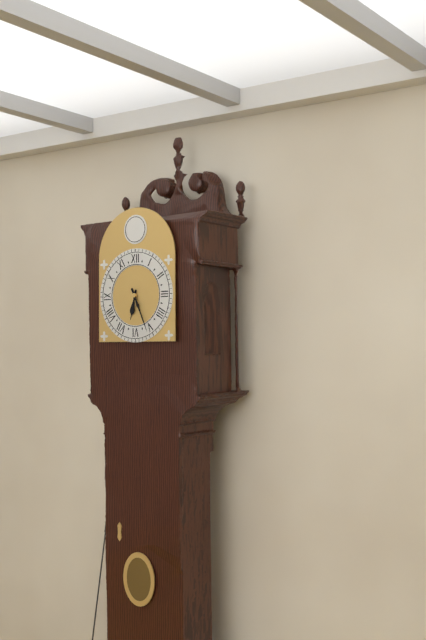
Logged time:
h=6 m=26
